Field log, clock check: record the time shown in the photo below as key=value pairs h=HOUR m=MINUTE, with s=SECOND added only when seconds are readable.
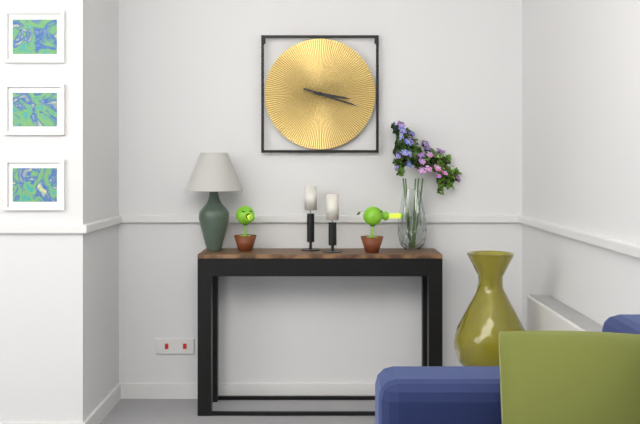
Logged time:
h=3 m=18
